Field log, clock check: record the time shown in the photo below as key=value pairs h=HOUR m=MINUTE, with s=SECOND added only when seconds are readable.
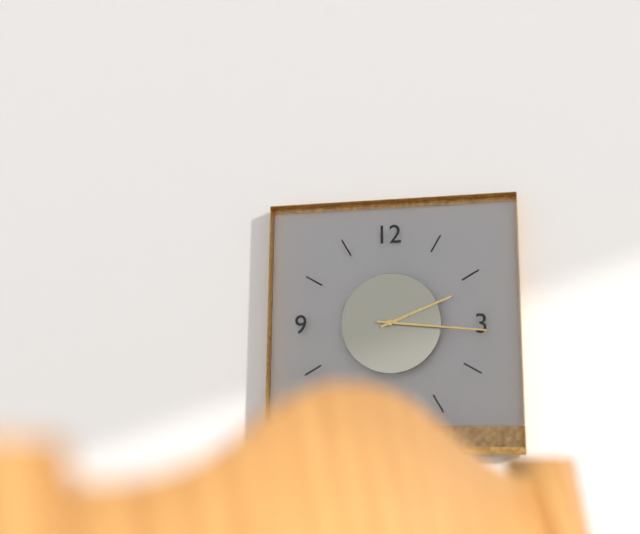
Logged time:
h=2 m=16
